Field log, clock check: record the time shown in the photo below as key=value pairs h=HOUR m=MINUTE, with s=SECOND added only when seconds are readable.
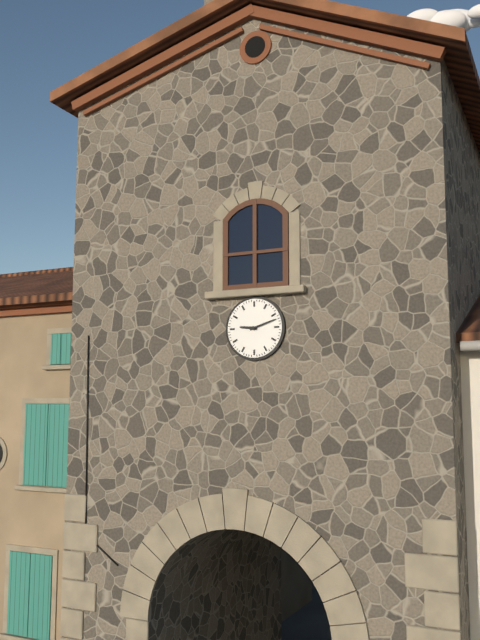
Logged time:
h=9 m=12
